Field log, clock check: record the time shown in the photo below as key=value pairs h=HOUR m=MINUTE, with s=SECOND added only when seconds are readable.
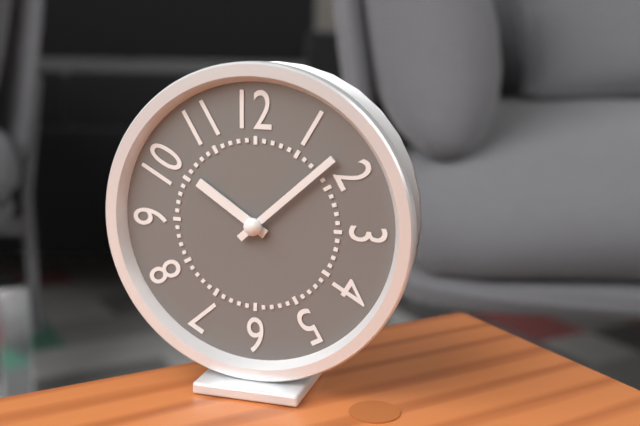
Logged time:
h=10 m=8
